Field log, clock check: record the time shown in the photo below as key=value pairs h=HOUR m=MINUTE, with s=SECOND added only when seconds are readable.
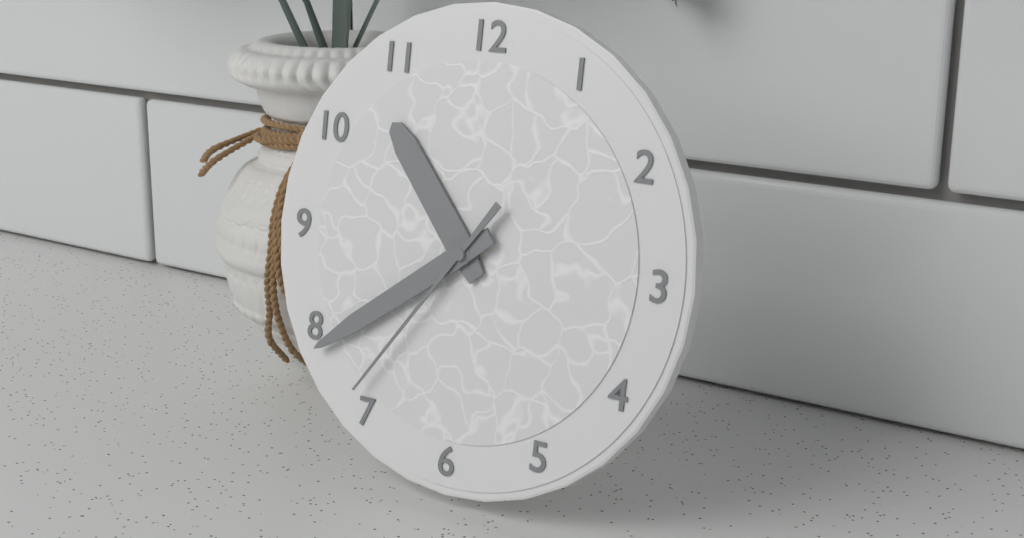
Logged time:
h=10 m=39 s=36
